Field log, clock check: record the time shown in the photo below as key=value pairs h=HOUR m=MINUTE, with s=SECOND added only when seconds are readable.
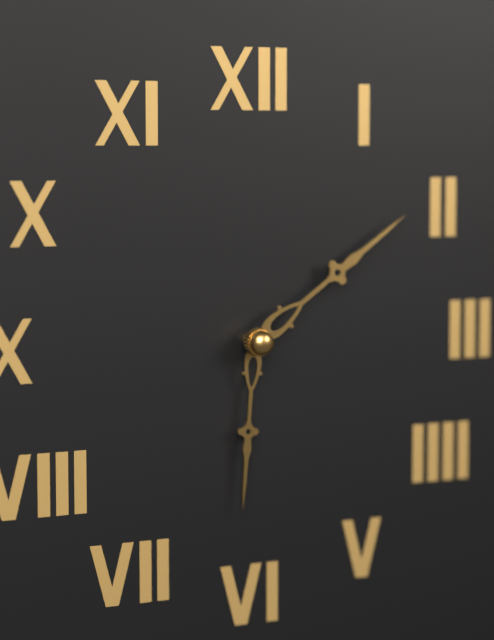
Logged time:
h=6 m=9
